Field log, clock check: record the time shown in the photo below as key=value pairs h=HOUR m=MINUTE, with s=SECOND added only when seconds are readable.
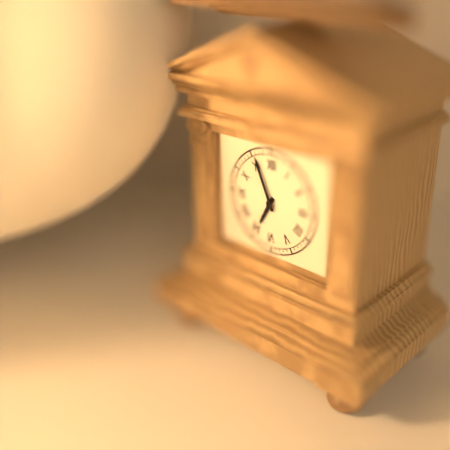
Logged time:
h=6 m=56
